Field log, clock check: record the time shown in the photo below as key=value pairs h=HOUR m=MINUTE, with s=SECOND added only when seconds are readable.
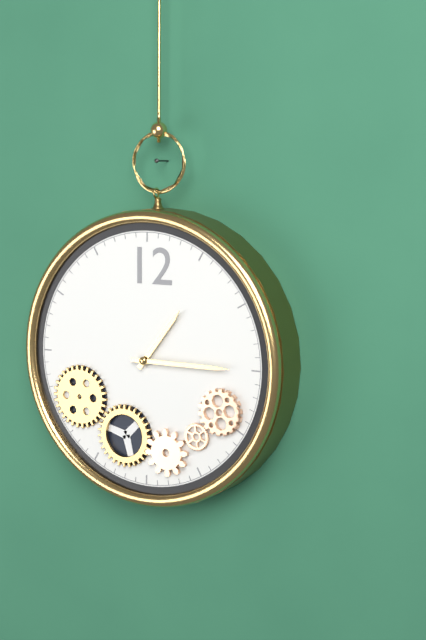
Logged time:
h=1 m=15
